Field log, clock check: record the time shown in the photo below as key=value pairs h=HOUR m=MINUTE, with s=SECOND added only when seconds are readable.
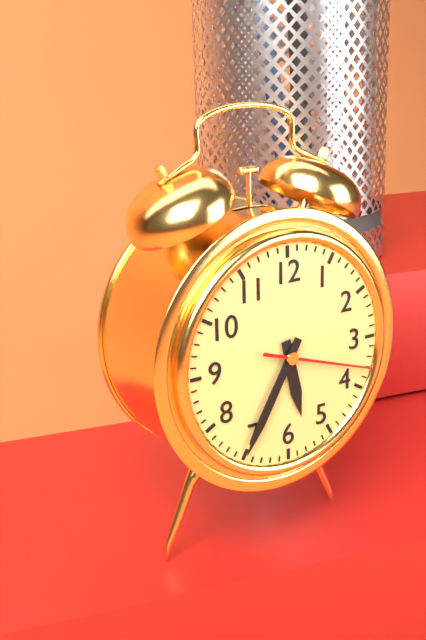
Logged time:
h=5 m=35 s=18
